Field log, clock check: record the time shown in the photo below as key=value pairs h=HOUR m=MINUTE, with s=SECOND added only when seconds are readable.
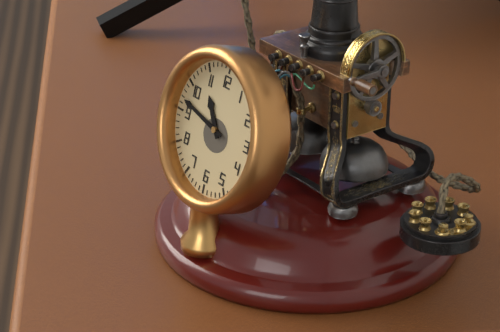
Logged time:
h=10 m=47
